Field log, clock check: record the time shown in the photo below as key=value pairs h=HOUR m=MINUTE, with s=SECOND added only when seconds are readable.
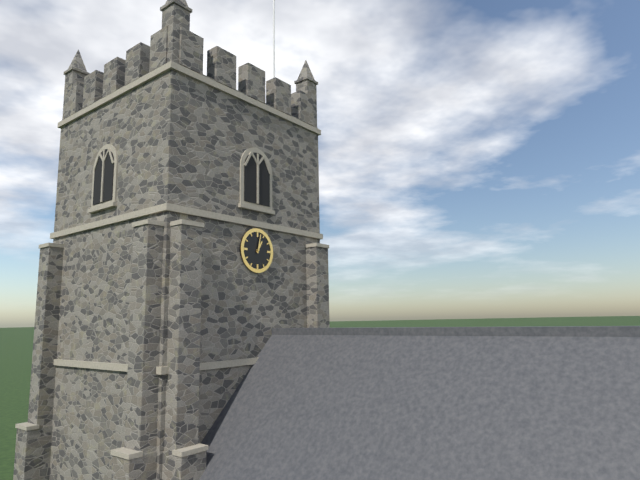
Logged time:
h=1 m=2
